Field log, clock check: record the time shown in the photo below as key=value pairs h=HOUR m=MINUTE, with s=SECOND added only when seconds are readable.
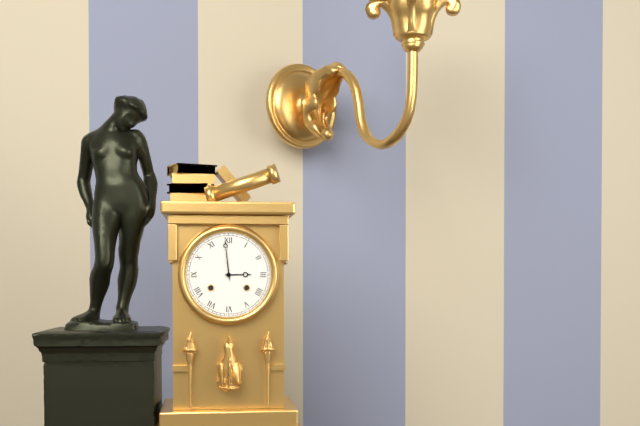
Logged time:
h=2 m=59
